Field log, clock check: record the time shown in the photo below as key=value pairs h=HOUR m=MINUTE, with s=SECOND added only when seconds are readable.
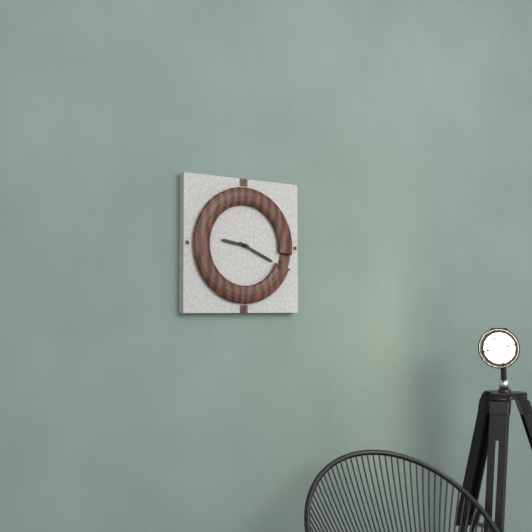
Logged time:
h=9 m=19
